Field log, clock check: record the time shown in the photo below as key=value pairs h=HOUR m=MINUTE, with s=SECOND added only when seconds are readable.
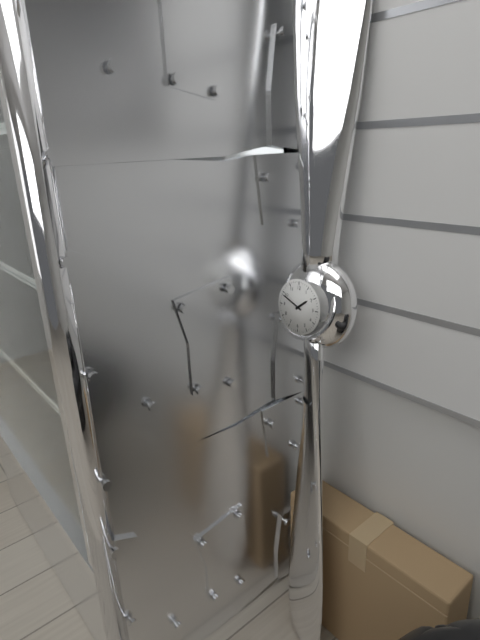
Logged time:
h=1 m=49
